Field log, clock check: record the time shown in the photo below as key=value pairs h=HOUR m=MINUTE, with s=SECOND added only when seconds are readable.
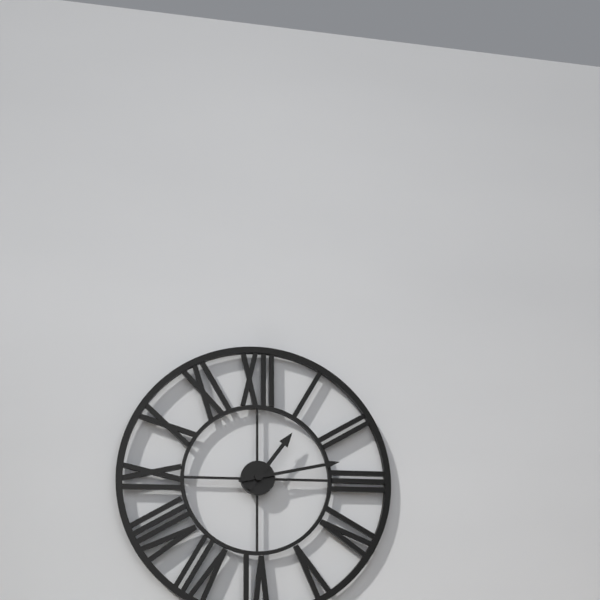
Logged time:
h=1 m=13
